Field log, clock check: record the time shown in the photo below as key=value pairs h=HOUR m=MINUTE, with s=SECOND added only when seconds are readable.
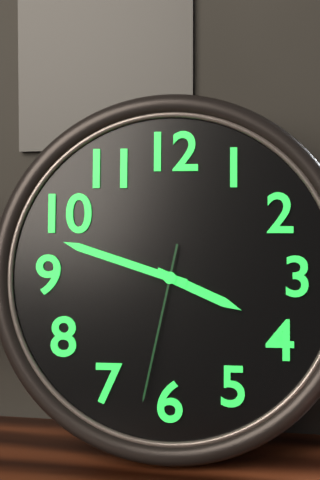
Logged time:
h=3 m=48 s=32
